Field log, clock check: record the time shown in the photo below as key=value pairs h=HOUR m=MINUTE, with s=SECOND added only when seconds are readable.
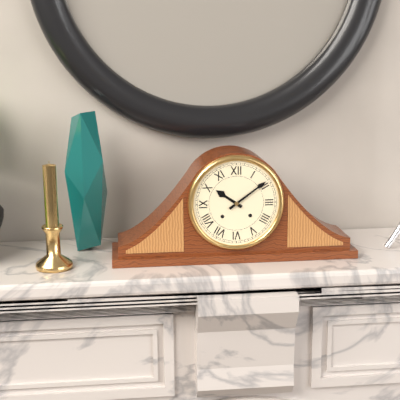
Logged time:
h=10 m=9
